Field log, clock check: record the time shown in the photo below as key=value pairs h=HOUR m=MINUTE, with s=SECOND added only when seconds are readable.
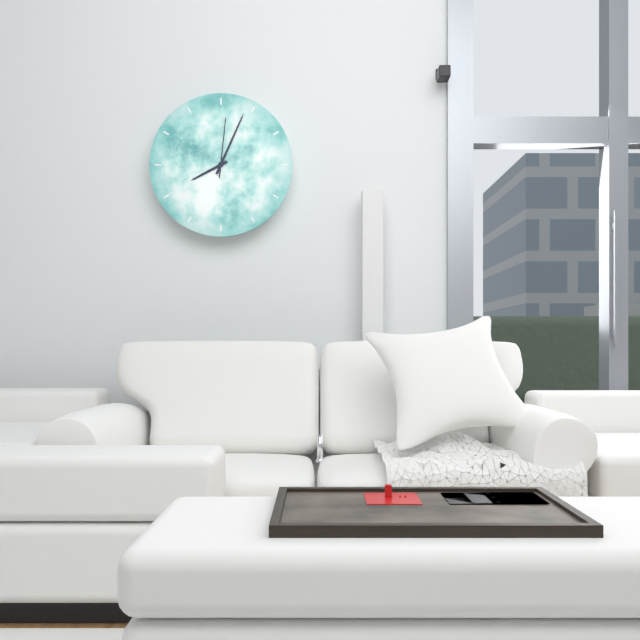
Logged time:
h=8 m=4 s=1
